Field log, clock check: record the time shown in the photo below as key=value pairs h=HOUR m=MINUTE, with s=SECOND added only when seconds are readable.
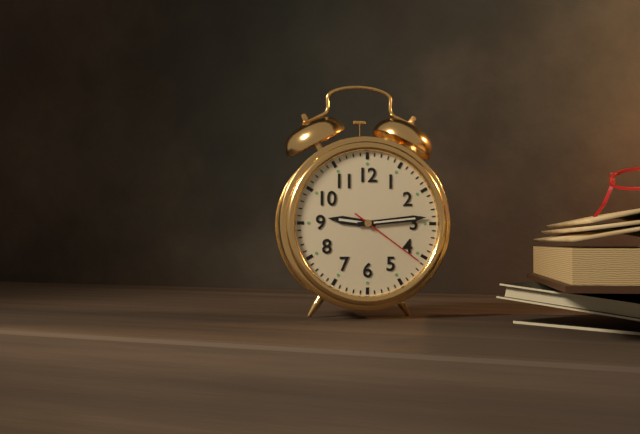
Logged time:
h=9 m=14 s=21
